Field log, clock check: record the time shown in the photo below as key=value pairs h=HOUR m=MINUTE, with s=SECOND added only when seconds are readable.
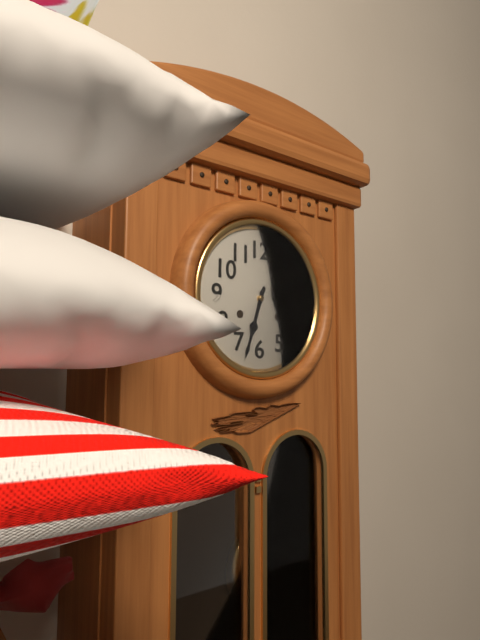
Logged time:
h=6 m=33
